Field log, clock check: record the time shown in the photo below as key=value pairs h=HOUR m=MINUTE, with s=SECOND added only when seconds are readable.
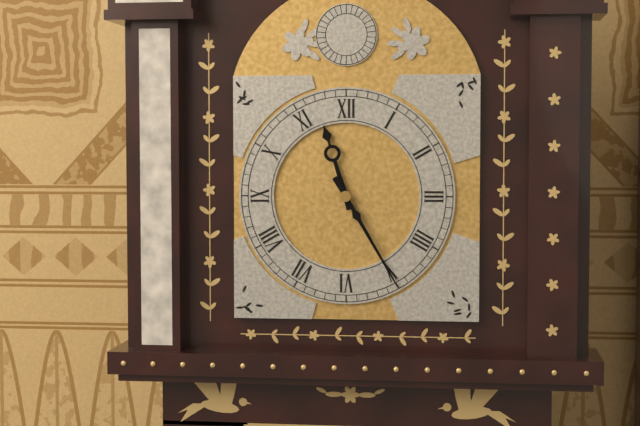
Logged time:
h=11 m=25
